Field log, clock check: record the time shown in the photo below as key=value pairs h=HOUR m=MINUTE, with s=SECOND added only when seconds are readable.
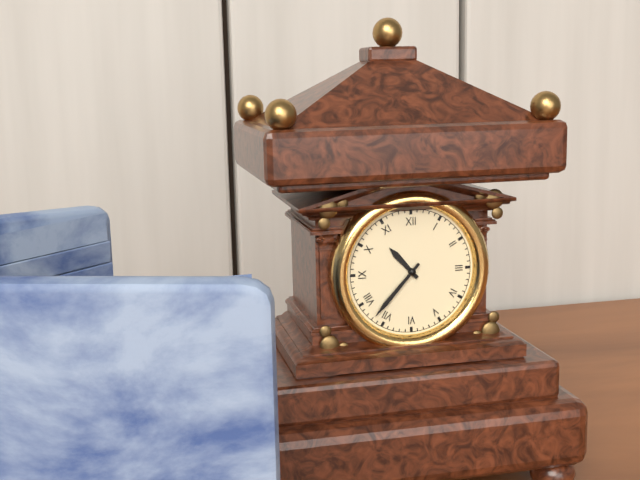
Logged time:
h=10 m=37
